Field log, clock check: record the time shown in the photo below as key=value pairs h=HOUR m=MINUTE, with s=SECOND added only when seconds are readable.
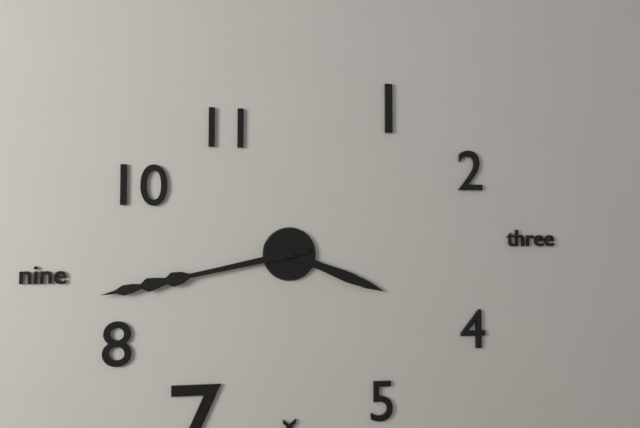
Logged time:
h=3 m=43
